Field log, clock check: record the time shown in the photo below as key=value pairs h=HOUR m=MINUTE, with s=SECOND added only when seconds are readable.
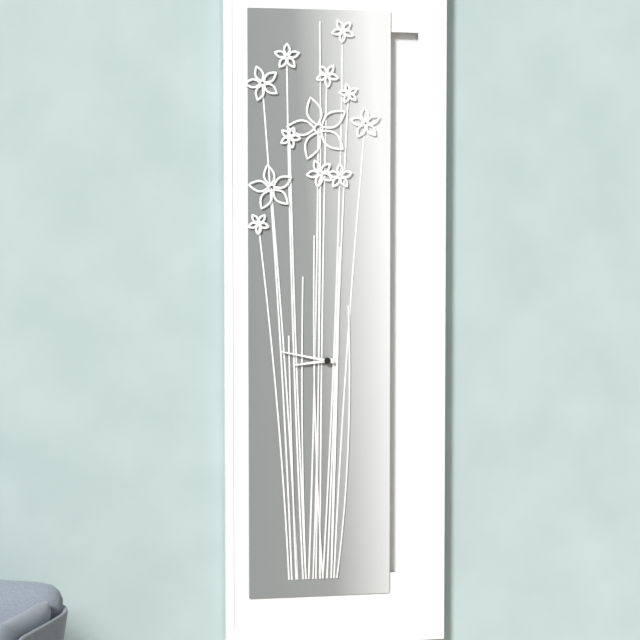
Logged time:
h=8 m=47
